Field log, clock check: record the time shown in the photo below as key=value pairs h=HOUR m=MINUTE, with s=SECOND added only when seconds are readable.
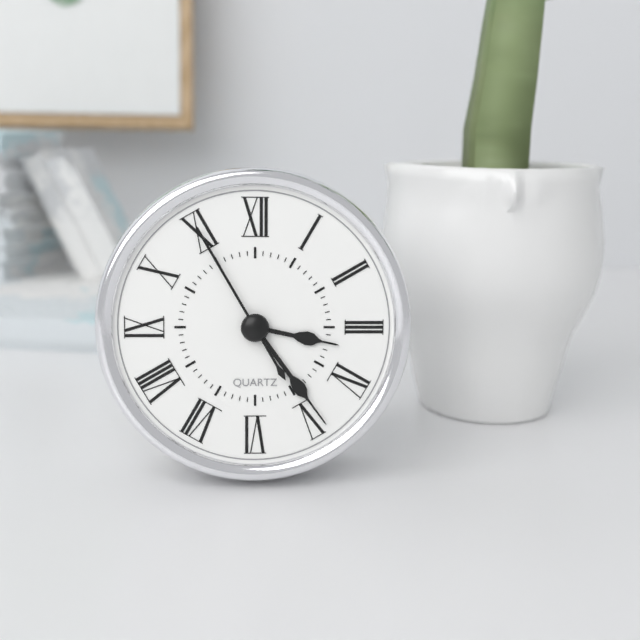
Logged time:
h=3 m=24 s=55
